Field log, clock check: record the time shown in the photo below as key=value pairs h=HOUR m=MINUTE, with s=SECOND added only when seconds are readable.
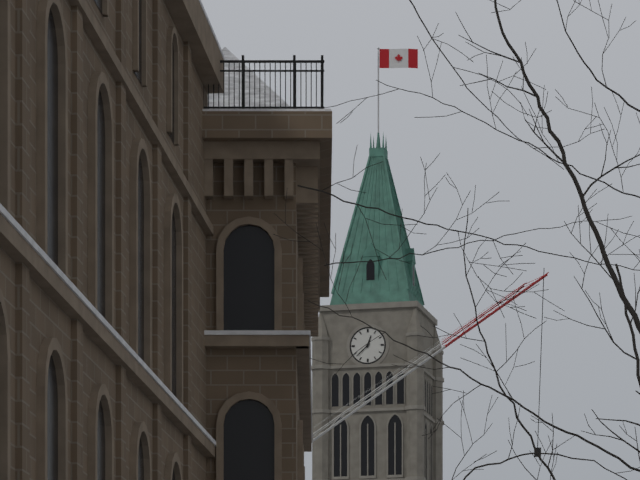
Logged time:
h=12 m=38
